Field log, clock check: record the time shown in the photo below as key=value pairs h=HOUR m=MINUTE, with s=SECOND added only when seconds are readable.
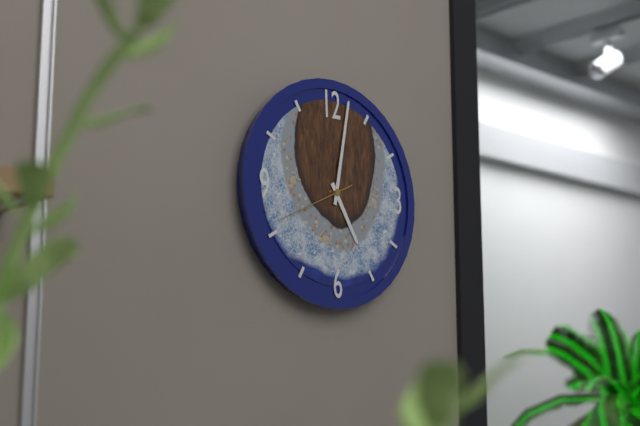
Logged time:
h=5 m=2 s=41
